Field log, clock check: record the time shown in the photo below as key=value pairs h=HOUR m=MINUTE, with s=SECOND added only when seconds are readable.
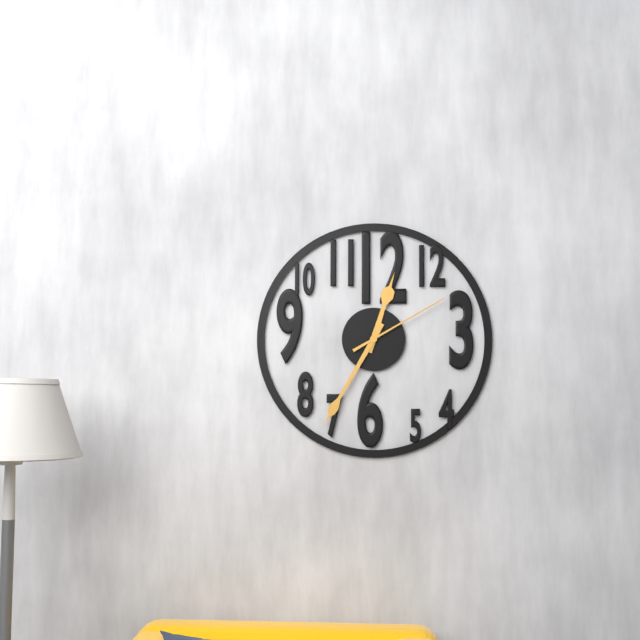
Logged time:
h=12 m=35 s=10
